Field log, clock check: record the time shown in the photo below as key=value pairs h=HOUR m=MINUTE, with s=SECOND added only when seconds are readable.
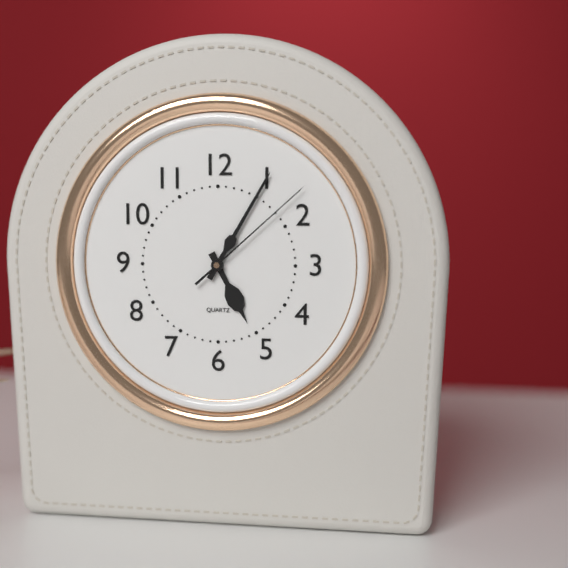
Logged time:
h=5 m=5 s=8
